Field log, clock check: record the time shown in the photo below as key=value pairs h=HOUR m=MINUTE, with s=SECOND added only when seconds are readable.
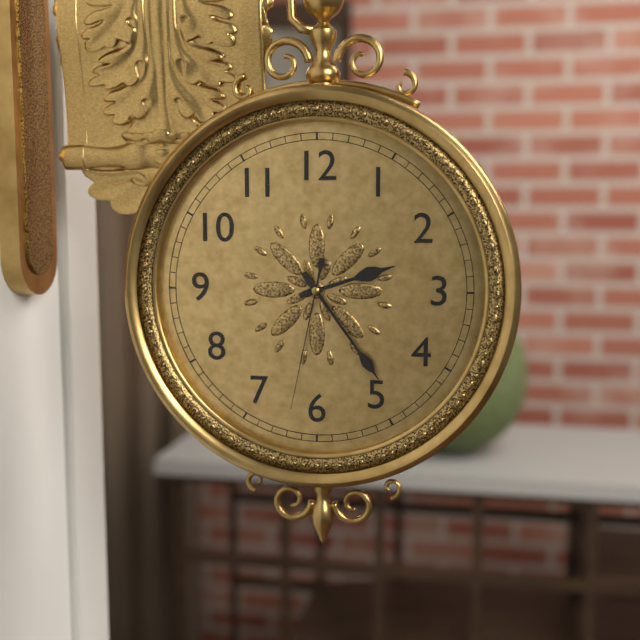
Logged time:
h=2 m=24 s=32
